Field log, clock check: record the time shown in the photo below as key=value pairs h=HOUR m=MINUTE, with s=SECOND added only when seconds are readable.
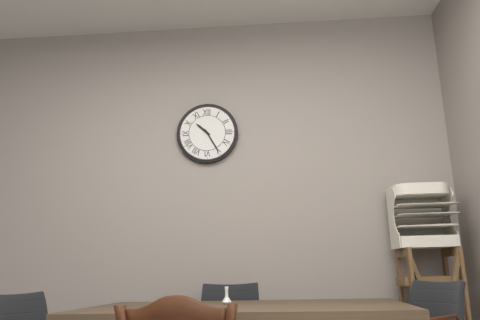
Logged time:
h=10 m=25
